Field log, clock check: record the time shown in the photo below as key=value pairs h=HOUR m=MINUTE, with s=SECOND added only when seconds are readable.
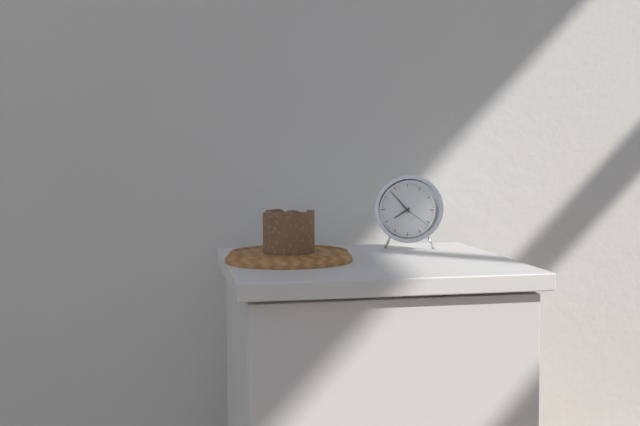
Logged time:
h=7 m=53
